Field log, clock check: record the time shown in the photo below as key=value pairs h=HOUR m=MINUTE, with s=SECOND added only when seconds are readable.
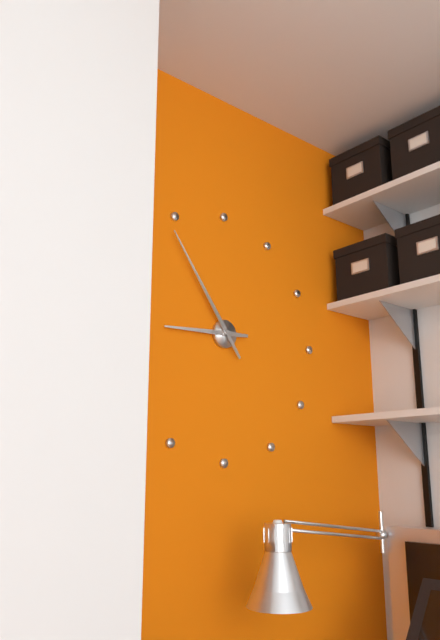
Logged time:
h=8 m=54
